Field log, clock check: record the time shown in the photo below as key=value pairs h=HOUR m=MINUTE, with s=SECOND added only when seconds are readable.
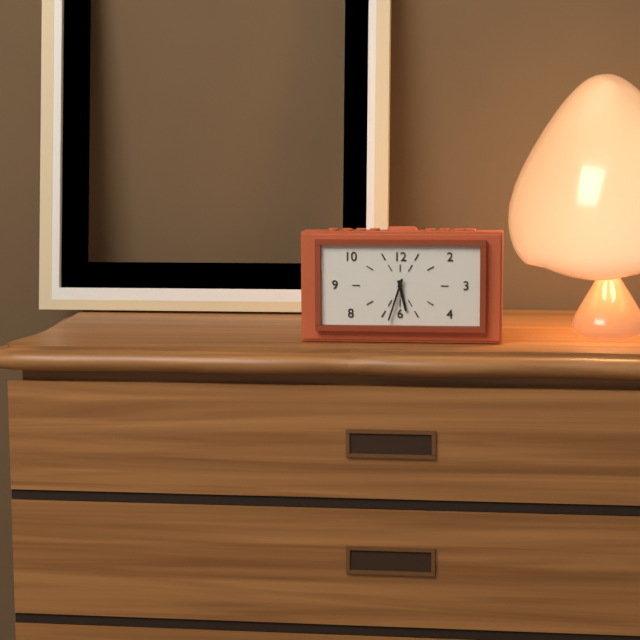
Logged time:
h=5 m=33
